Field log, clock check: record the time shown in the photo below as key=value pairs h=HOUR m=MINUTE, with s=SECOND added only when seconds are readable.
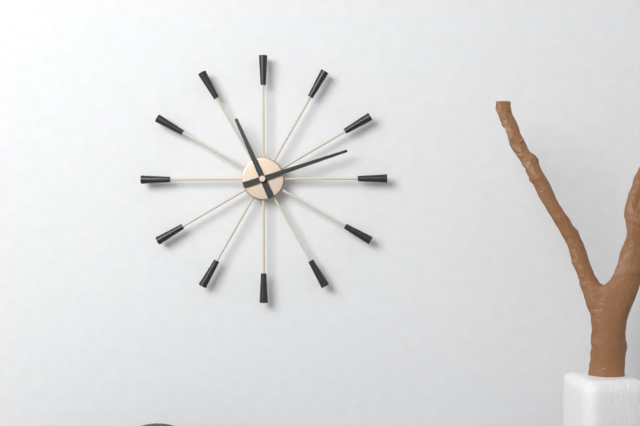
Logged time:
h=11 m=12
